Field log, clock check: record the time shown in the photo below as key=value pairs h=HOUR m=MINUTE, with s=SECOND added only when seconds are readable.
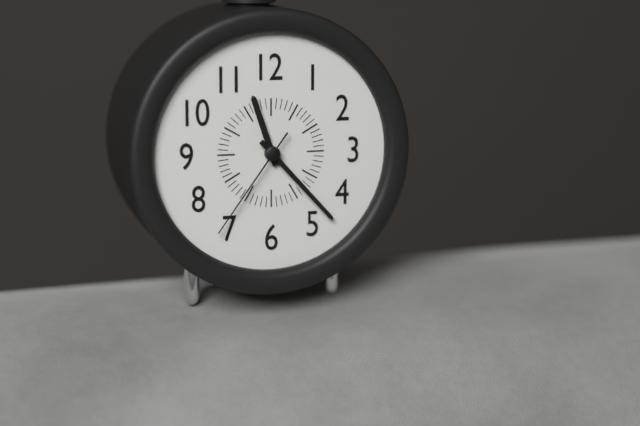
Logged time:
h=11 m=23 s=36
